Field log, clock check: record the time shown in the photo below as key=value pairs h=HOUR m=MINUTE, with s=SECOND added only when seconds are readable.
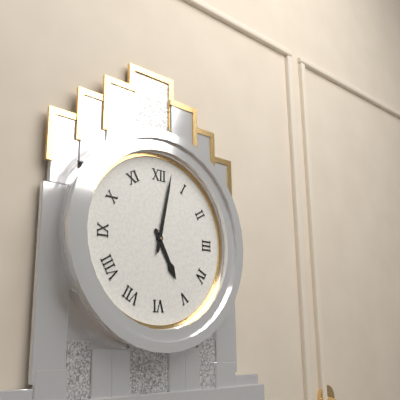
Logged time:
h=5 m=2
